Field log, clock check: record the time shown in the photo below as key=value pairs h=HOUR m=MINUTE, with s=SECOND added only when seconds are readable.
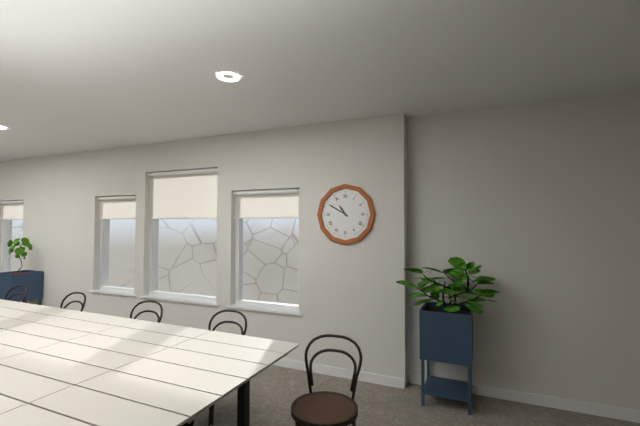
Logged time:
h=10 m=50
